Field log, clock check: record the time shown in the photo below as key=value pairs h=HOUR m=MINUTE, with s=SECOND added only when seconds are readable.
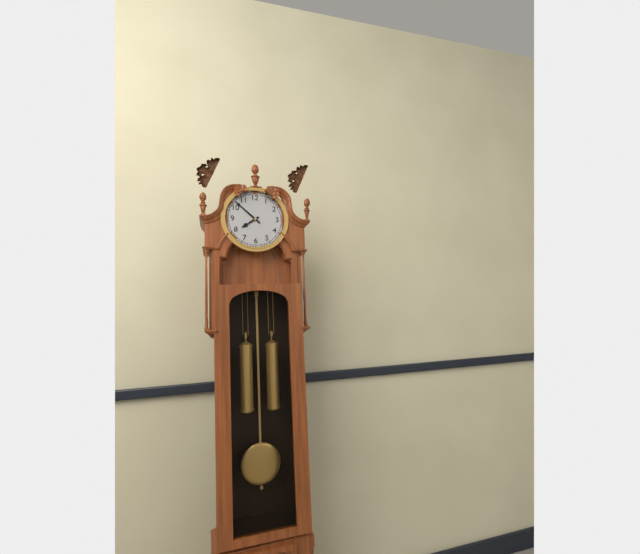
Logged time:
h=7 m=52
